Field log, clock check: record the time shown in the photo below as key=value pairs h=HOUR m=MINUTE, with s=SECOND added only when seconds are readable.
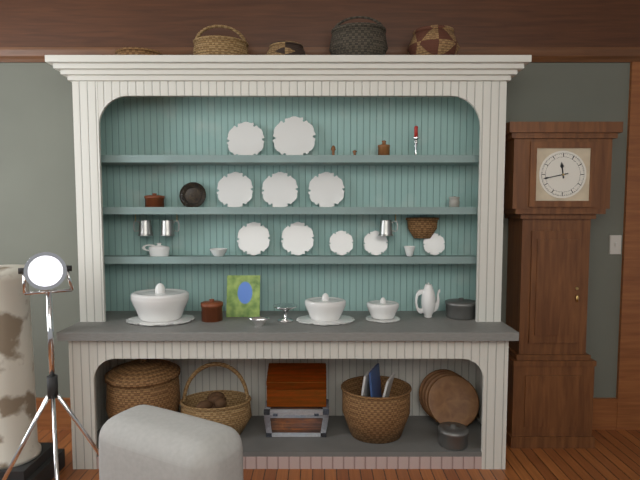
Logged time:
h=11 m=43
